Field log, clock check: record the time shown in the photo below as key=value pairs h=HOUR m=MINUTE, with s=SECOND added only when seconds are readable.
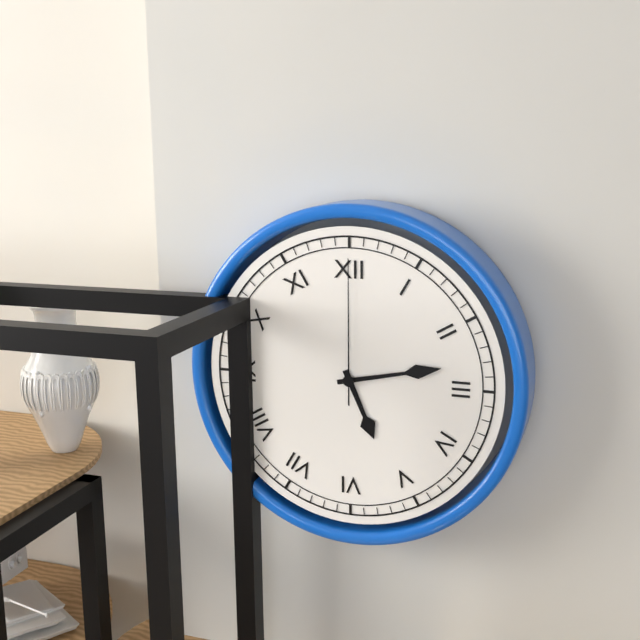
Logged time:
h=5 m=13 s=0
